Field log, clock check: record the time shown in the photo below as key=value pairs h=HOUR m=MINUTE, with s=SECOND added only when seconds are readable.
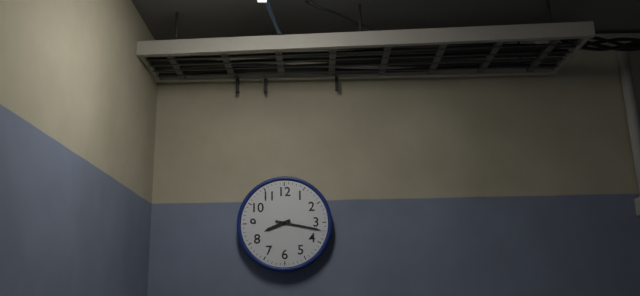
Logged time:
h=8 m=17
